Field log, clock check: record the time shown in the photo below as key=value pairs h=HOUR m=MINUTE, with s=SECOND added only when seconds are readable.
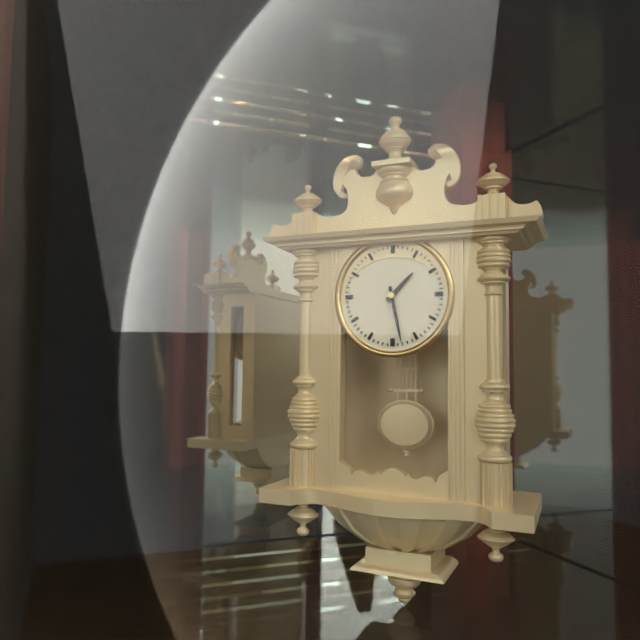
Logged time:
h=1 m=28
